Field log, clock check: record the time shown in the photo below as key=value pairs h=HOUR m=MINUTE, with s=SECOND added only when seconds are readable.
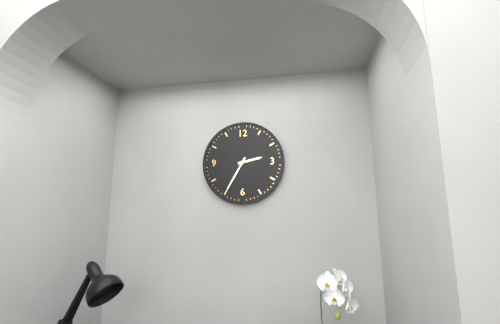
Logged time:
h=2 m=35
